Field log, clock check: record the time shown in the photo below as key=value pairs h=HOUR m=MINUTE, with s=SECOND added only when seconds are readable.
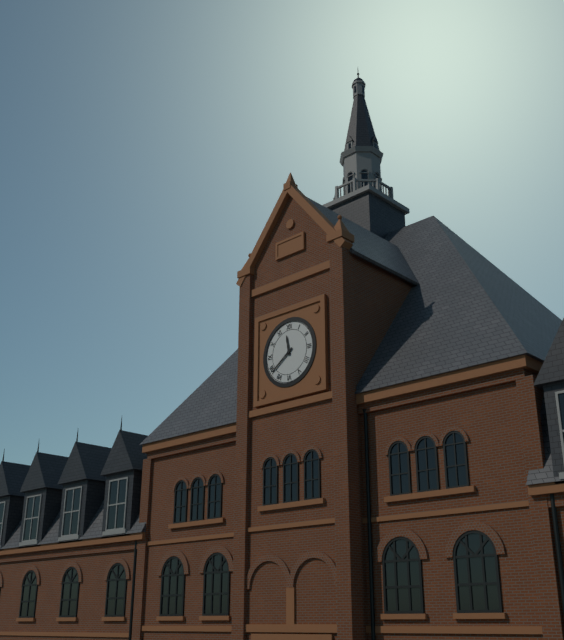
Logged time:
h=11 m=39
